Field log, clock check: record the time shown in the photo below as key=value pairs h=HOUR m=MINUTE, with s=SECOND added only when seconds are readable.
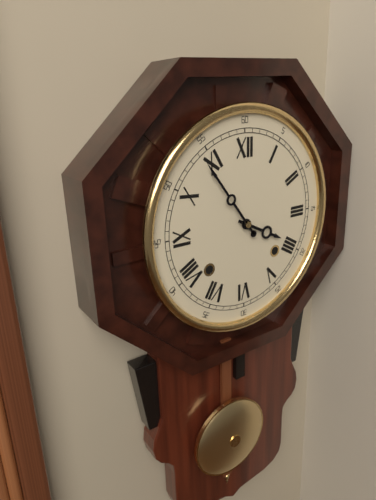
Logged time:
h=3 m=54
